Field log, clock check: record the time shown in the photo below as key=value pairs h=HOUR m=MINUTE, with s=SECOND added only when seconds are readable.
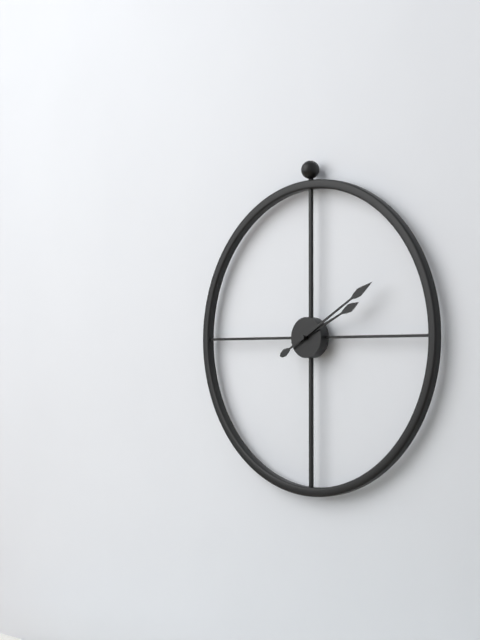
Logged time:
h=2 m=10
